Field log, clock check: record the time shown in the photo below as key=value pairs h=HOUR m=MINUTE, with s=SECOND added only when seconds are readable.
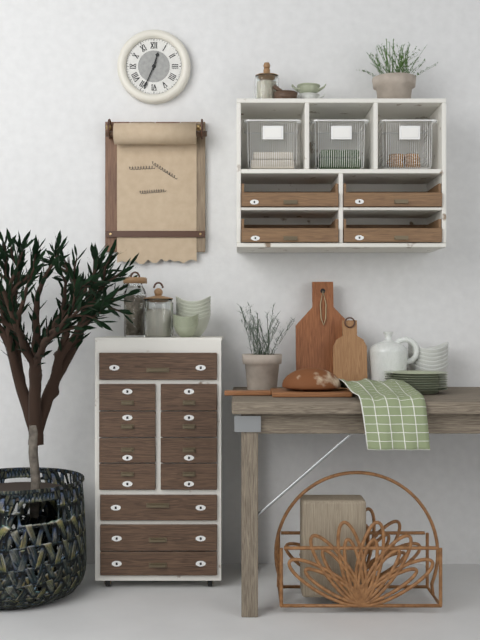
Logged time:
h=12 m=34
